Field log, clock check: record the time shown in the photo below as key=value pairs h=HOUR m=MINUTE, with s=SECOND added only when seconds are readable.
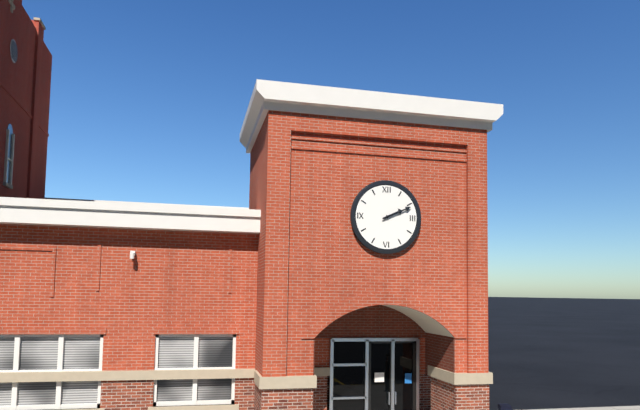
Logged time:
h=2 m=11
